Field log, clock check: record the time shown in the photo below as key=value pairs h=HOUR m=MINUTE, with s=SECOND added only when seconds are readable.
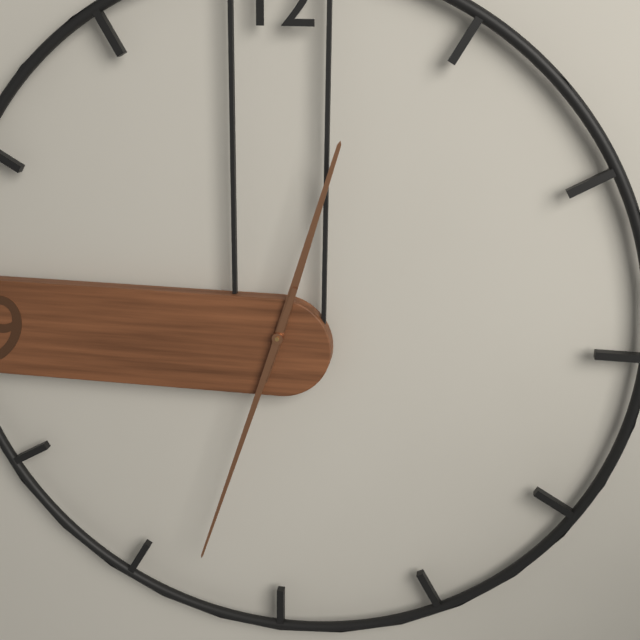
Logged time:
h=12 m=33
